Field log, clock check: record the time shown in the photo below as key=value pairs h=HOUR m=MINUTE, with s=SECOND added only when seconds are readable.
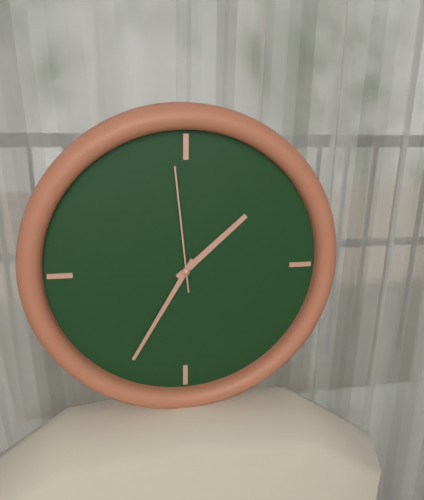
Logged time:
h=1 m=35 s=59
